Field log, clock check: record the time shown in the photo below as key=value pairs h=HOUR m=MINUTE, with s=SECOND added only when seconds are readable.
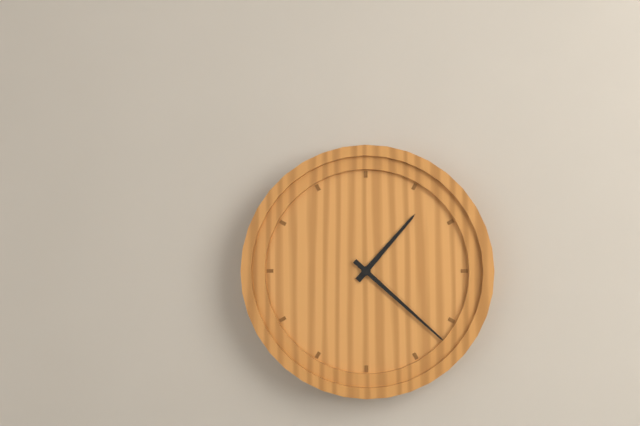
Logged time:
h=1 m=22
